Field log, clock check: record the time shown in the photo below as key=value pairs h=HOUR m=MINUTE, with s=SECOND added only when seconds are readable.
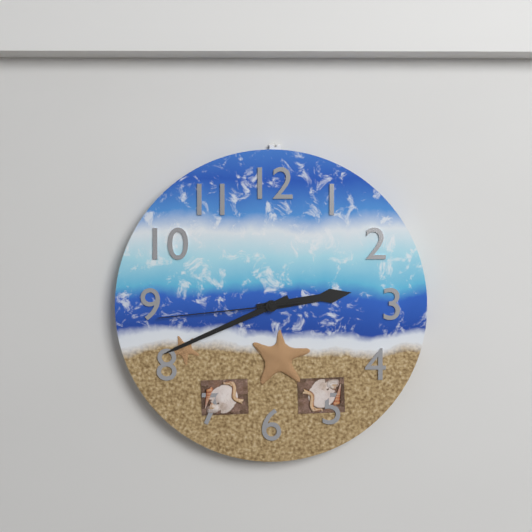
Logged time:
h=2 m=41 s=44
